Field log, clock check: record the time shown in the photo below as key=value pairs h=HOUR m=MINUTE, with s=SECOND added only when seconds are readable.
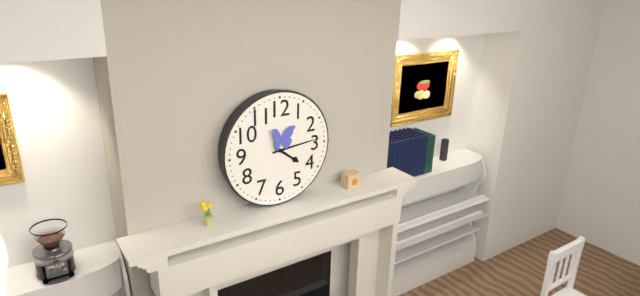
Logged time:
h=4 m=14
